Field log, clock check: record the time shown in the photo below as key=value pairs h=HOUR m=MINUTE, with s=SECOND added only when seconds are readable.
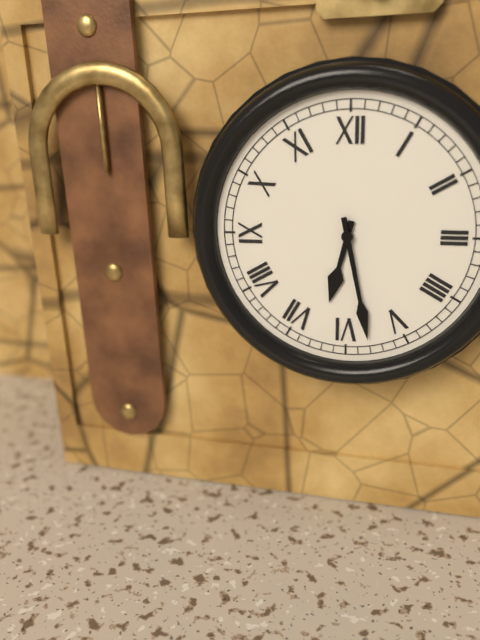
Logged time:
h=6 m=28
